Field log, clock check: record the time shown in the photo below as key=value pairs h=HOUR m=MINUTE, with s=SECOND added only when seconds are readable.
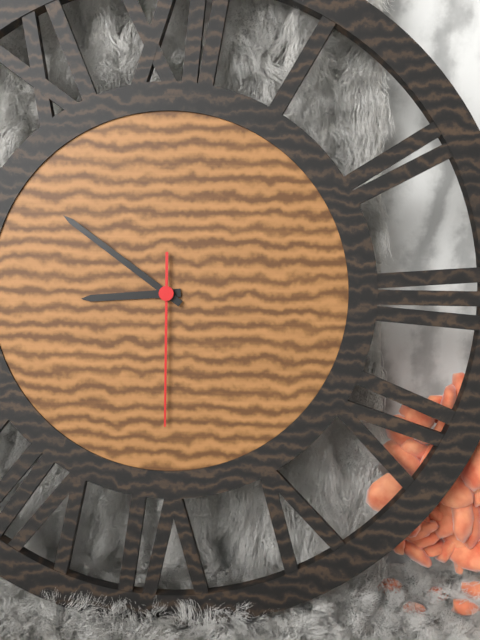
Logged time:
h=8 m=51 s=30
